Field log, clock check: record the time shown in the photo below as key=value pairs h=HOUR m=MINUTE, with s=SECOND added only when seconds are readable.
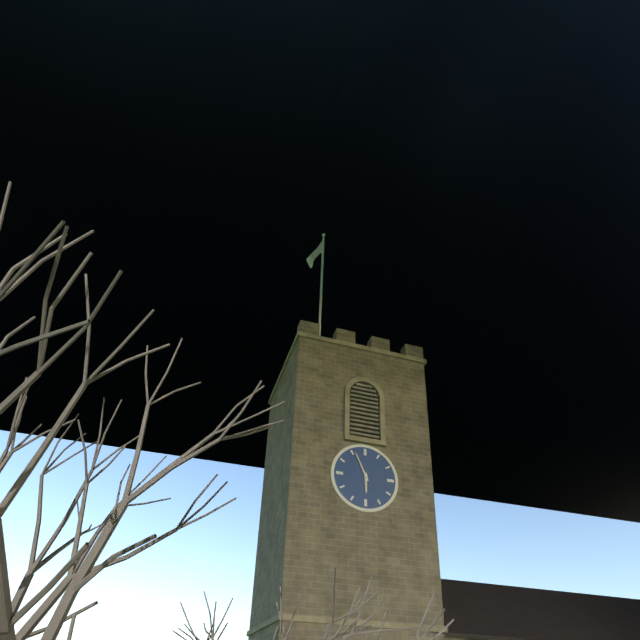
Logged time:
h=5 m=56
